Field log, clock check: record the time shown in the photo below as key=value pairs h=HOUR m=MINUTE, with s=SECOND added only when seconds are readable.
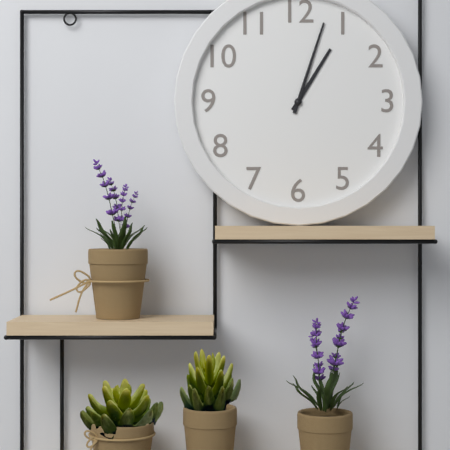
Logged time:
h=1 m=3
